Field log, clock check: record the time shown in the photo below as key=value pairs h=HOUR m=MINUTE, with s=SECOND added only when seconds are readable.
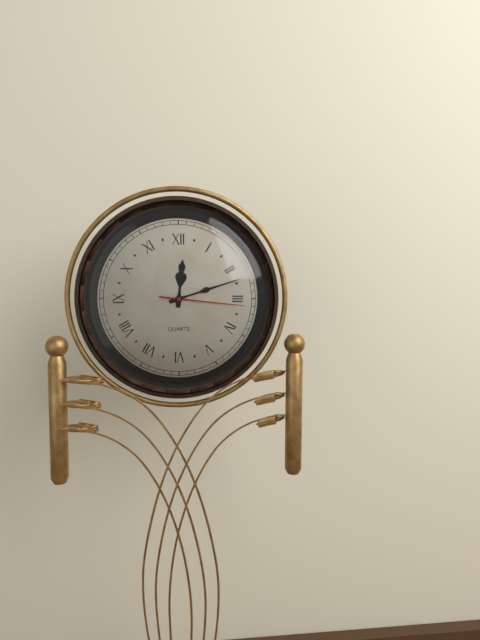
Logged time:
h=12 m=12 s=16
